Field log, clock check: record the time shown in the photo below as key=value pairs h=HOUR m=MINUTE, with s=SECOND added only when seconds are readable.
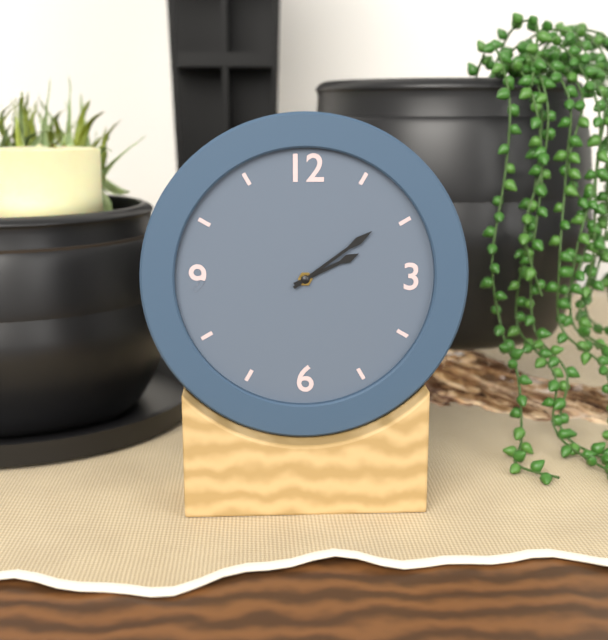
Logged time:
h=2 m=9
